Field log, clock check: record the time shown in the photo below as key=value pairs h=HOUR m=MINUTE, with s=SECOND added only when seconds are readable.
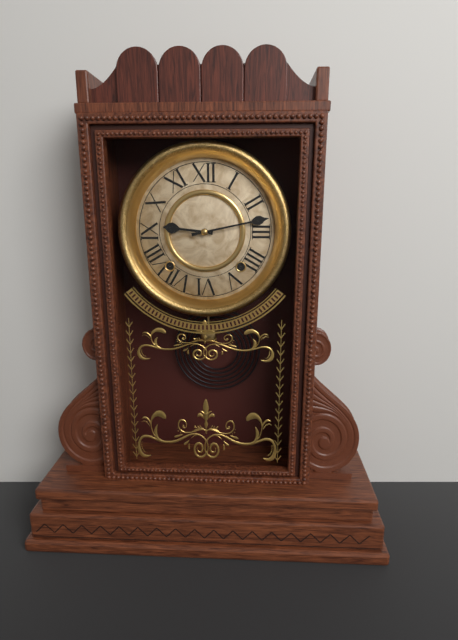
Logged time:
h=9 m=13
